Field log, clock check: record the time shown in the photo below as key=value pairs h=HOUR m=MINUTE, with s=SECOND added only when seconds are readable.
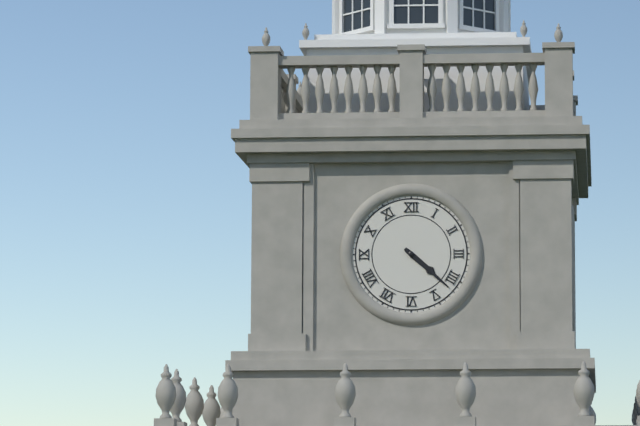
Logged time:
h=4 m=22
